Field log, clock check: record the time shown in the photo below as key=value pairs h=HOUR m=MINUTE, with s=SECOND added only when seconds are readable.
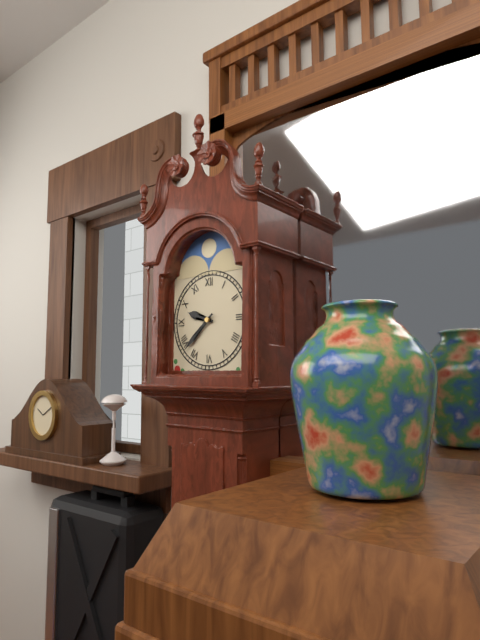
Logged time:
h=9 m=38
